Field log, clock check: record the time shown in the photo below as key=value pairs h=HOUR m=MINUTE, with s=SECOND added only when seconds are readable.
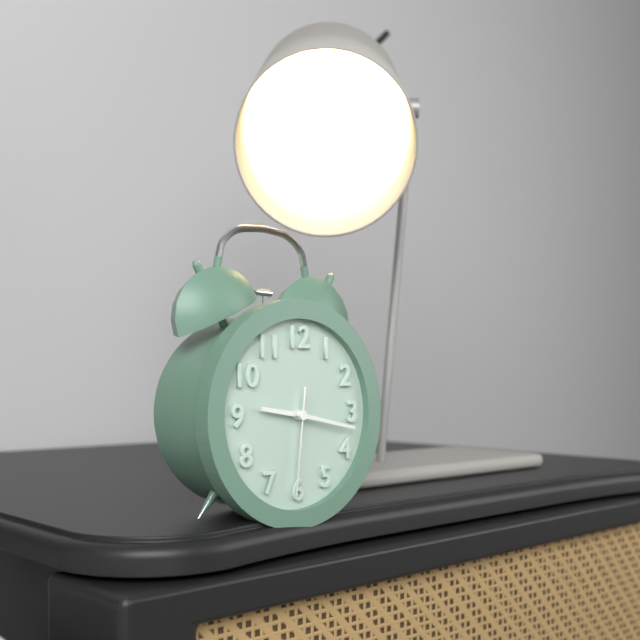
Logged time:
h=9 m=17 s=31
